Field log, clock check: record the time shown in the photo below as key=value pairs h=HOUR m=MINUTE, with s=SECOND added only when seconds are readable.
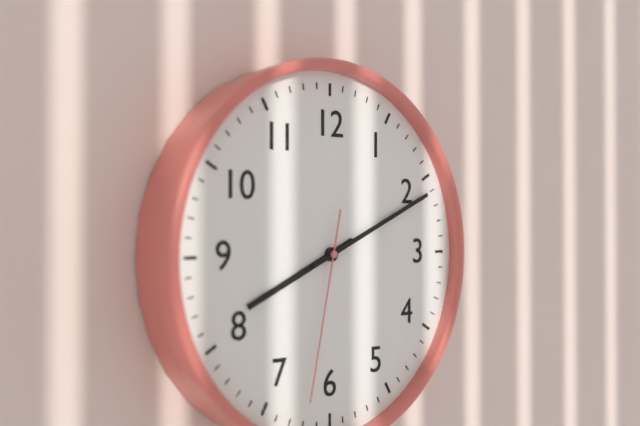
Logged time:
h=8 m=11 s=32
